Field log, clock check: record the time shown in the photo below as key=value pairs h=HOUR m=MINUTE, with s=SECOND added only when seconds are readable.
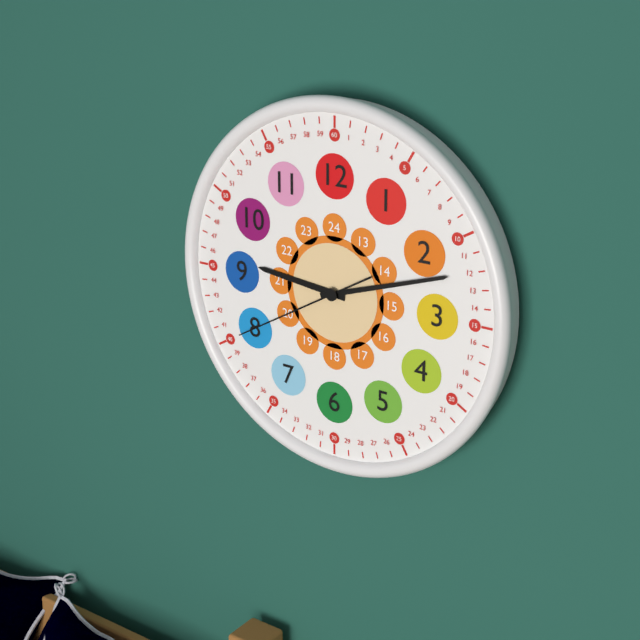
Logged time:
h=9 m=12 s=40
